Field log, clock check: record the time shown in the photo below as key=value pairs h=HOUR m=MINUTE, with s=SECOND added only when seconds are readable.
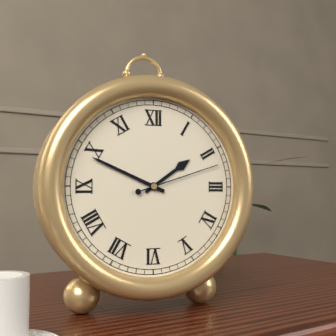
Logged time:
h=1 m=49 s=12
